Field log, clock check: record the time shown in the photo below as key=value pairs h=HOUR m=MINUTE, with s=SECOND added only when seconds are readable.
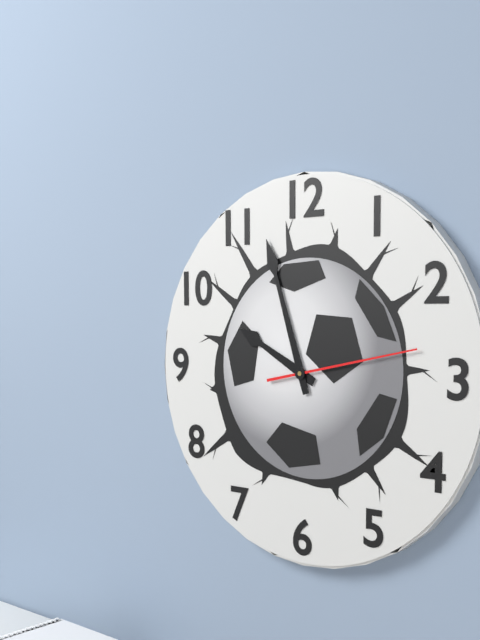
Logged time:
h=9 m=57 s=13
